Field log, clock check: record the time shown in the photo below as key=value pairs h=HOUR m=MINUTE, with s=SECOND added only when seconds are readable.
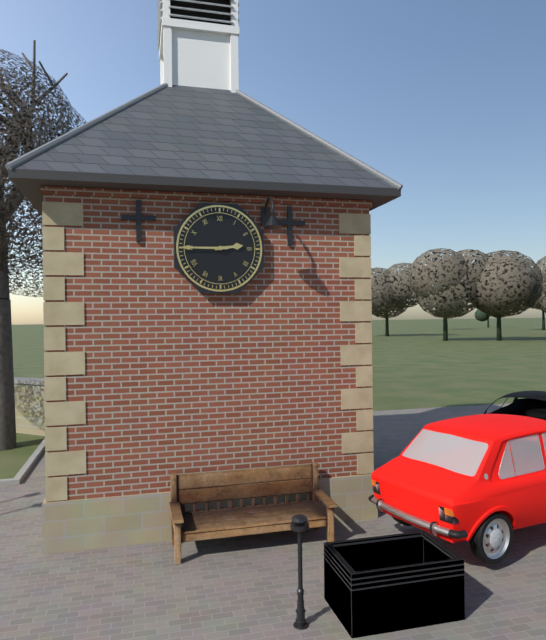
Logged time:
h=2 m=45
